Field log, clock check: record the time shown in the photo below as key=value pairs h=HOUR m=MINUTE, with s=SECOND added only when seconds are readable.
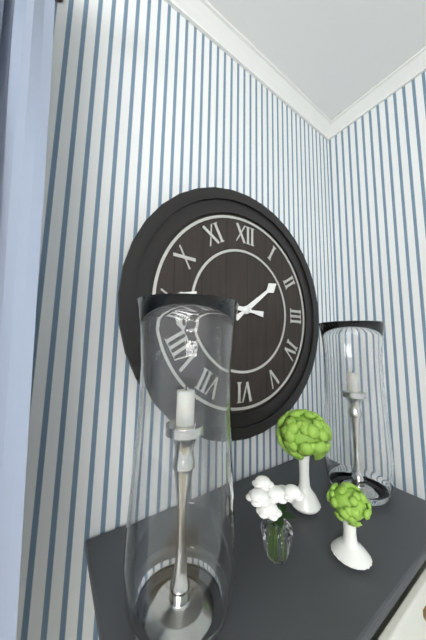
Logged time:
h=1 m=46
